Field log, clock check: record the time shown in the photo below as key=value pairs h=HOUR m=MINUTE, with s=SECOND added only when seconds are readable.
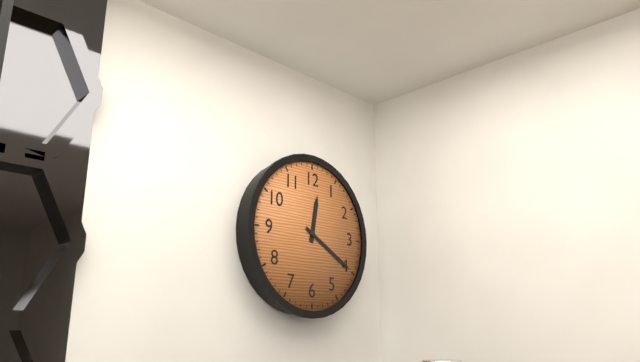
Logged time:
h=12 m=20
